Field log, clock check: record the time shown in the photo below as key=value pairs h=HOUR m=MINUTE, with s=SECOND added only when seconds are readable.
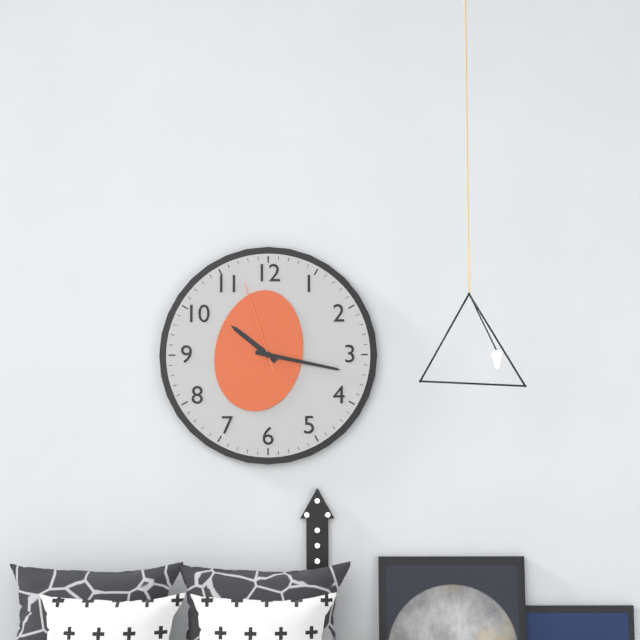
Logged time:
h=10 m=17 s=57
